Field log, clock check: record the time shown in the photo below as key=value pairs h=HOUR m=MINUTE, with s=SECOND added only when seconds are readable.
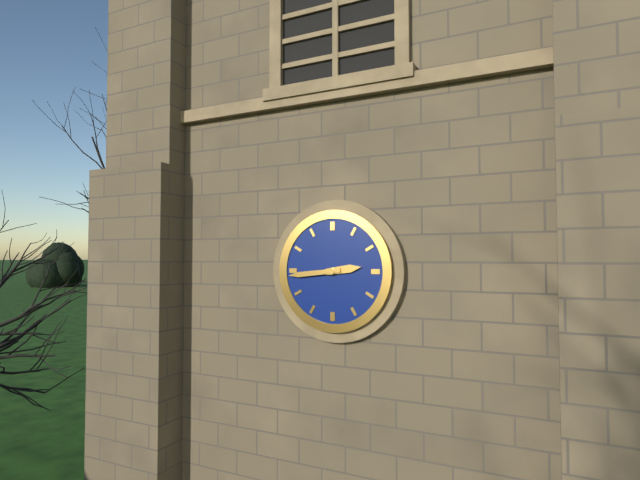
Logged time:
h=2 m=44
